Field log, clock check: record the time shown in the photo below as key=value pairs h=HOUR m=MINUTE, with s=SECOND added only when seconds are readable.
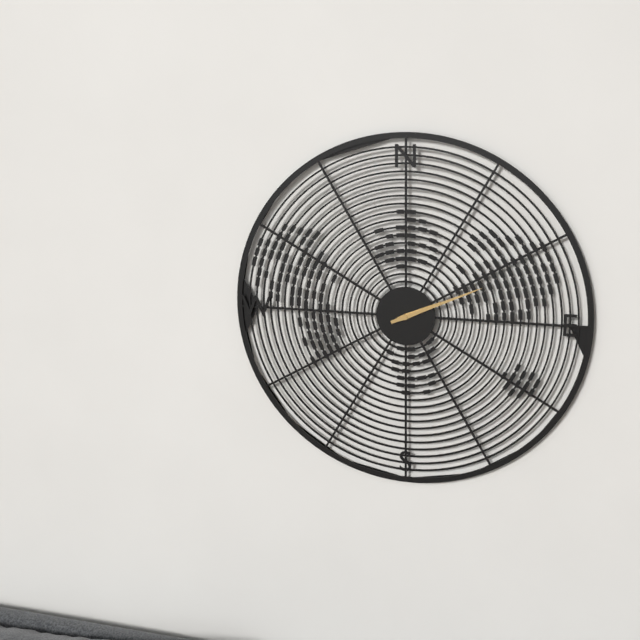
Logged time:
h=2 m=11
